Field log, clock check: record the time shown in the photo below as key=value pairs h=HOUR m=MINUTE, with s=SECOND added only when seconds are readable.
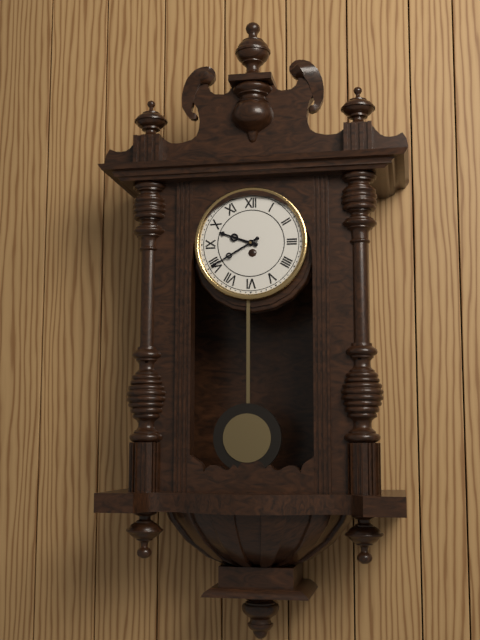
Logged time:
h=9 m=40
